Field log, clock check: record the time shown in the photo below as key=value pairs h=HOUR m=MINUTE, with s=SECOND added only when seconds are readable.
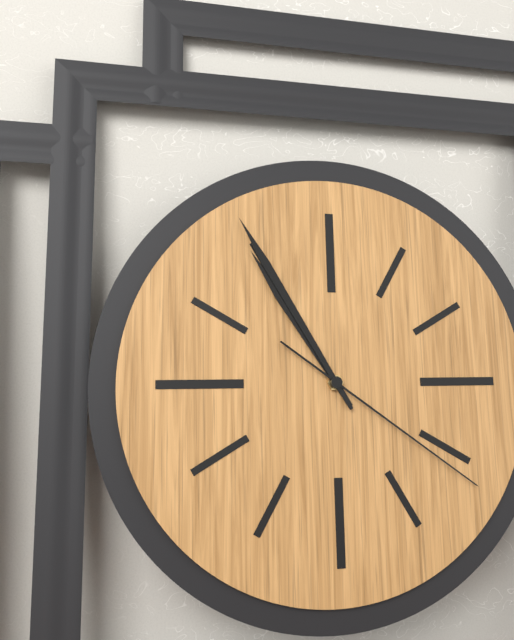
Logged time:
h=10 m=55 s=21
